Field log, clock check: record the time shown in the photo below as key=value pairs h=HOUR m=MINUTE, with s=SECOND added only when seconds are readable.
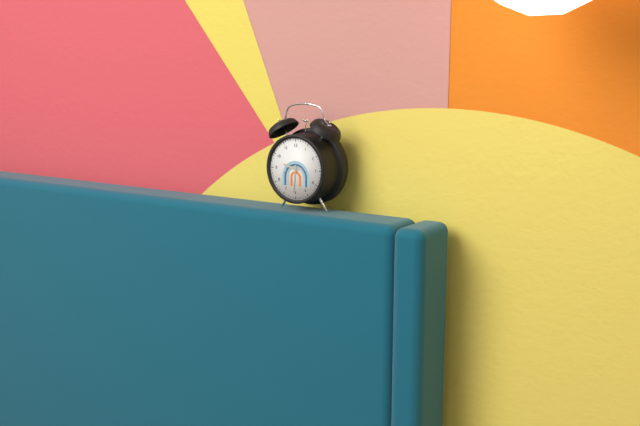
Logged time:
h=9 m=31
